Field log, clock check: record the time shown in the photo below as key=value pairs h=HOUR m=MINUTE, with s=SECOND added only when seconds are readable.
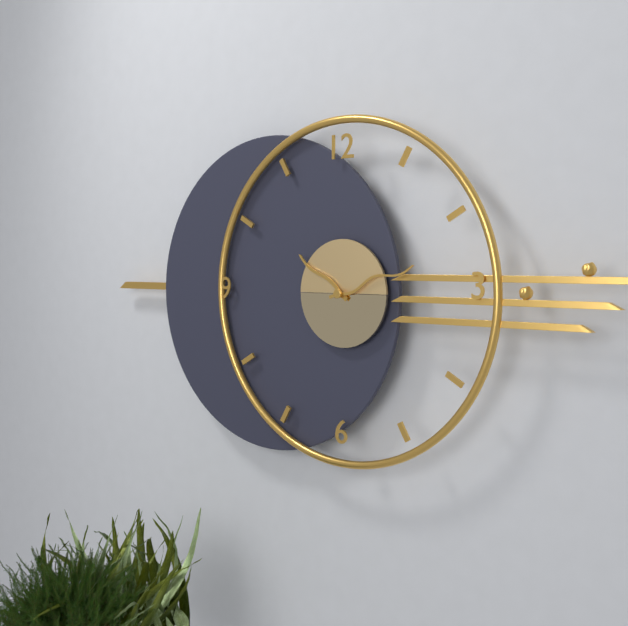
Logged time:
h=10 m=12
